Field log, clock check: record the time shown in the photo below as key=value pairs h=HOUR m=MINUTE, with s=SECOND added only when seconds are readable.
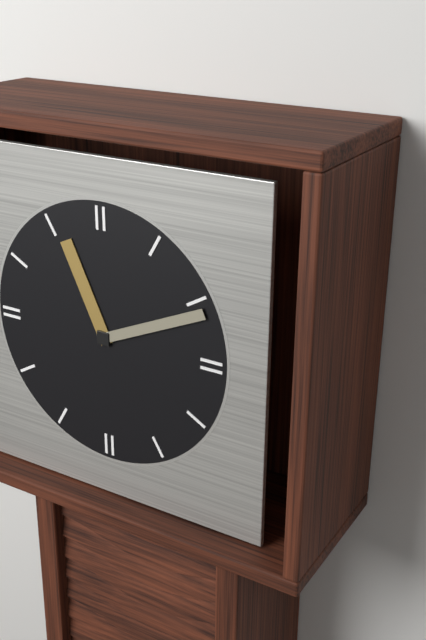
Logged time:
h=11 m=11
